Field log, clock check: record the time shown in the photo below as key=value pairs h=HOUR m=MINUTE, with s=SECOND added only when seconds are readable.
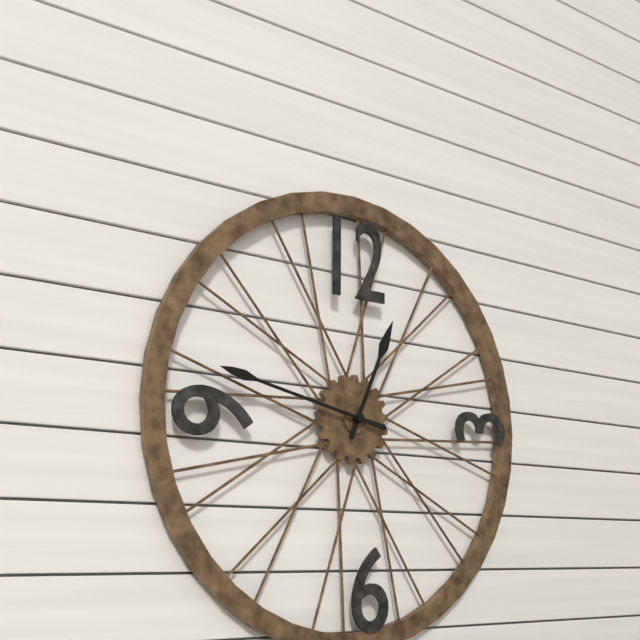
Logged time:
h=12 m=47
